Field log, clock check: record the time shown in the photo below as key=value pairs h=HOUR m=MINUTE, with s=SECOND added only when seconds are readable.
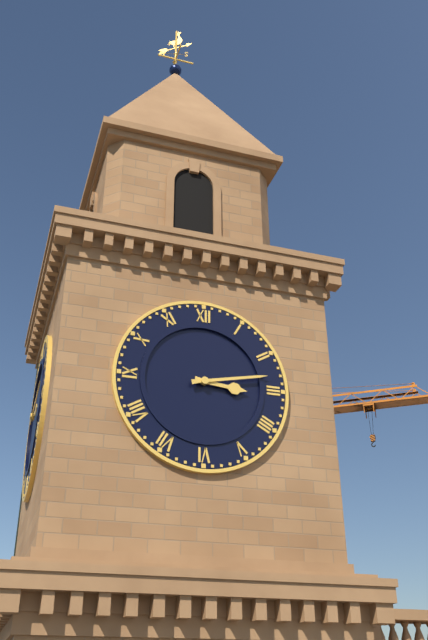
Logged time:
h=3 m=13
